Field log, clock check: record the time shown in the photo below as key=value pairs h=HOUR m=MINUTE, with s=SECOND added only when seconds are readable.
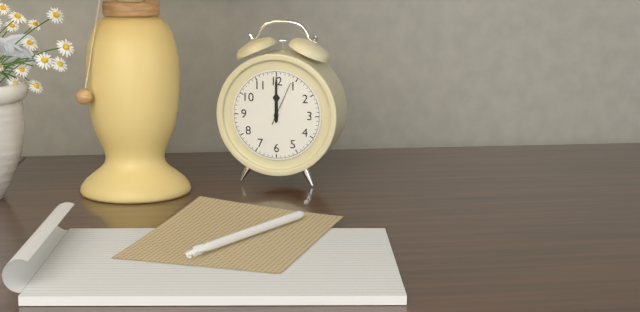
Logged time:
h=12 m=0
